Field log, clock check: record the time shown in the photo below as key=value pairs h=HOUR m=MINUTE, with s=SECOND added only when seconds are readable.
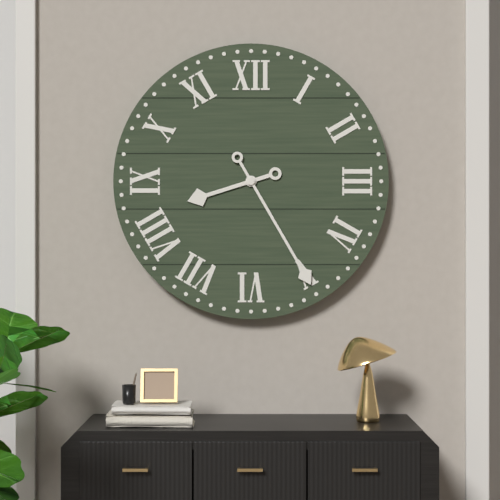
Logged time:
h=8 m=25
